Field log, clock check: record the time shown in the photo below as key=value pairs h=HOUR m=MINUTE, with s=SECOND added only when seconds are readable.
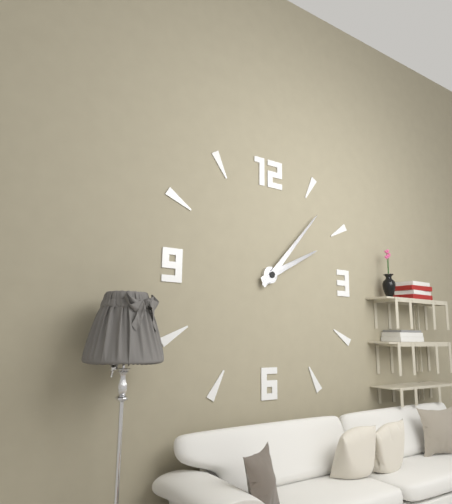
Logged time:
h=2 m=7
